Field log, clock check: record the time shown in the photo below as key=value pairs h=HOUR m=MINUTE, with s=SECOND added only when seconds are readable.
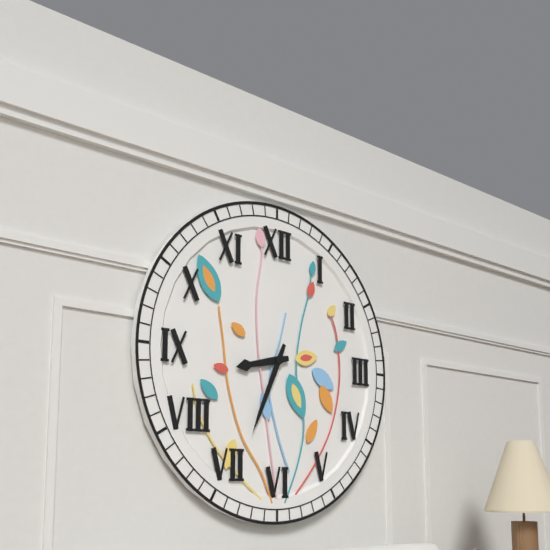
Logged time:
h=8 m=34
